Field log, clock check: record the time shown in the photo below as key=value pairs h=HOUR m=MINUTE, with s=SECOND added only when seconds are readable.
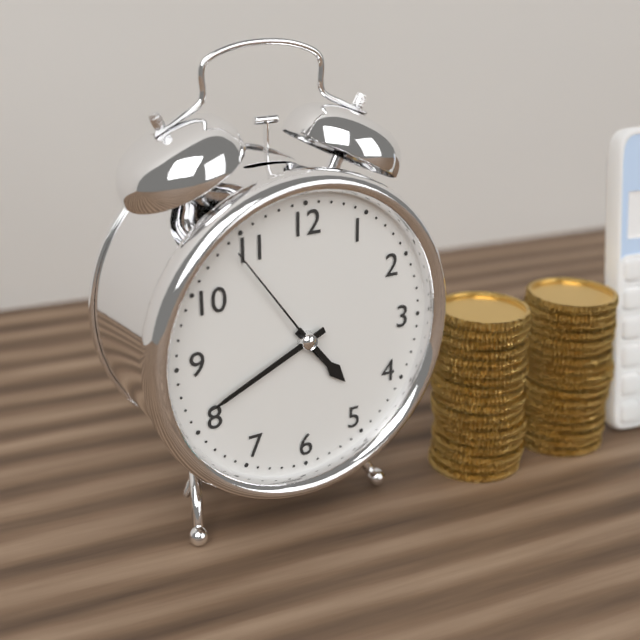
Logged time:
h=4 m=41 s=54
